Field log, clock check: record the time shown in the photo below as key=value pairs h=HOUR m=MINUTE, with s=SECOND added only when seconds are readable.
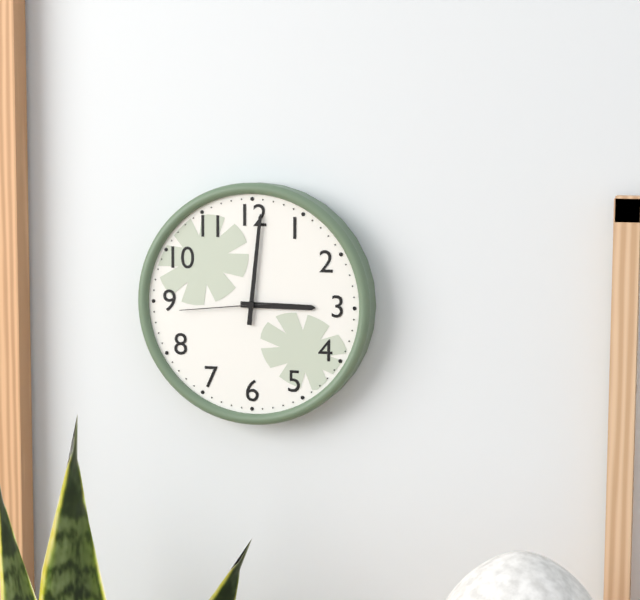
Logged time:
h=3 m=1 s=44
